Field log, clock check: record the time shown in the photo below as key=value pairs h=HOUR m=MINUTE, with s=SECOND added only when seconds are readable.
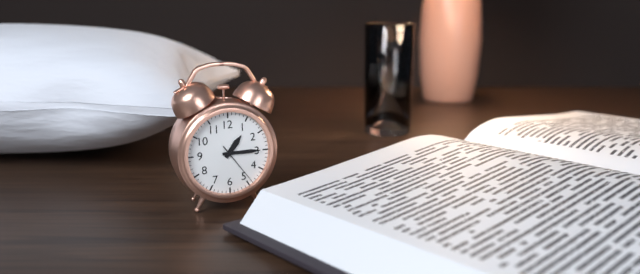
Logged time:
h=1 m=15
